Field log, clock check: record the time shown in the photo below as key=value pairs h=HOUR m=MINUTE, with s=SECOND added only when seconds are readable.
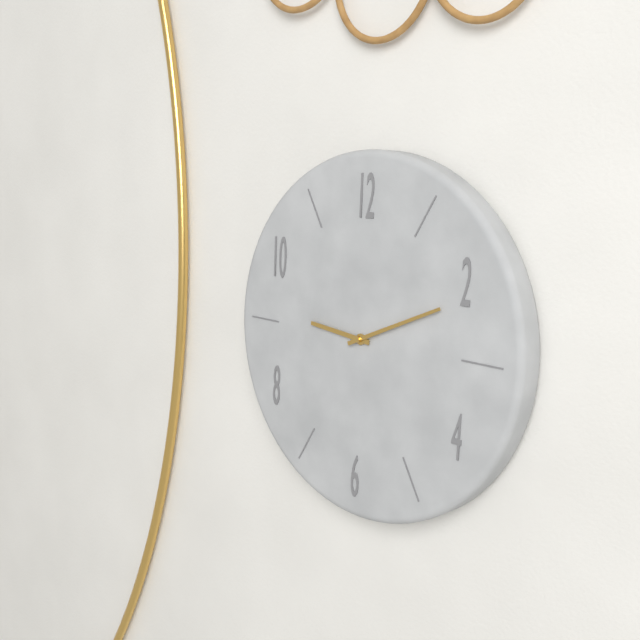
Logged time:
h=9 m=11
